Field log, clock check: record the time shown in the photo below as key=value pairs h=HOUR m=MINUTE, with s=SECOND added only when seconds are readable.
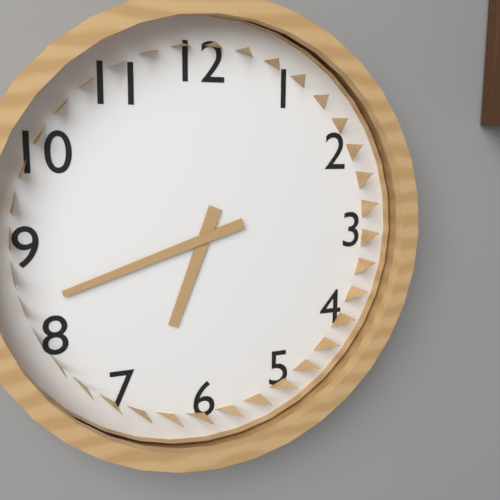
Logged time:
h=6 m=42
